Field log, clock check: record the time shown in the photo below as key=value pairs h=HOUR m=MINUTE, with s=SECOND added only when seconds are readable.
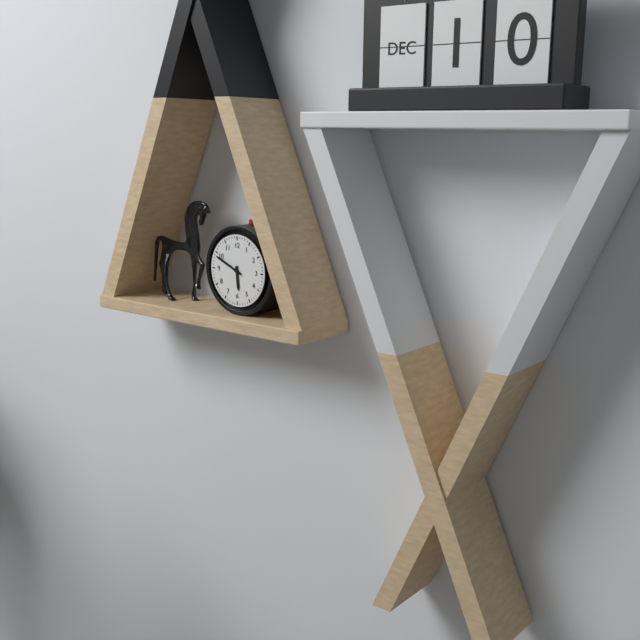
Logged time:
h=5 m=49
